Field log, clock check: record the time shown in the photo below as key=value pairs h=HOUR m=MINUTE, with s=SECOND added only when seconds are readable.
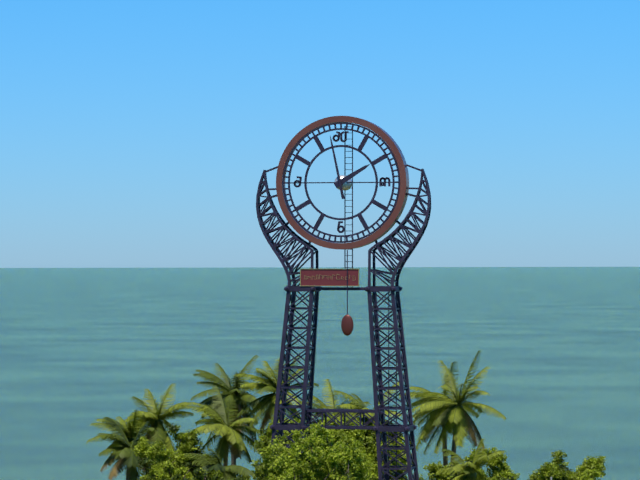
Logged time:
h=1 m=58
